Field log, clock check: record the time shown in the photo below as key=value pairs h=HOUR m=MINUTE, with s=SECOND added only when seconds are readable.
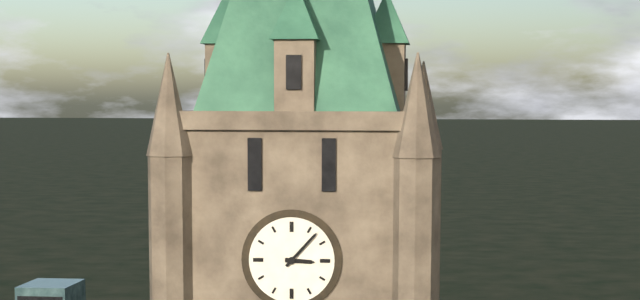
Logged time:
h=3 m=7
